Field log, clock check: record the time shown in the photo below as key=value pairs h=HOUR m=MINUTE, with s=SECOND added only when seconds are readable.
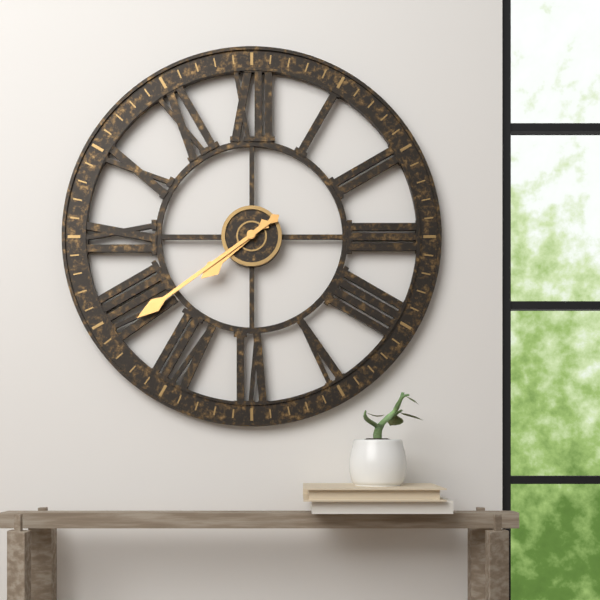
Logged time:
h=7 m=39
